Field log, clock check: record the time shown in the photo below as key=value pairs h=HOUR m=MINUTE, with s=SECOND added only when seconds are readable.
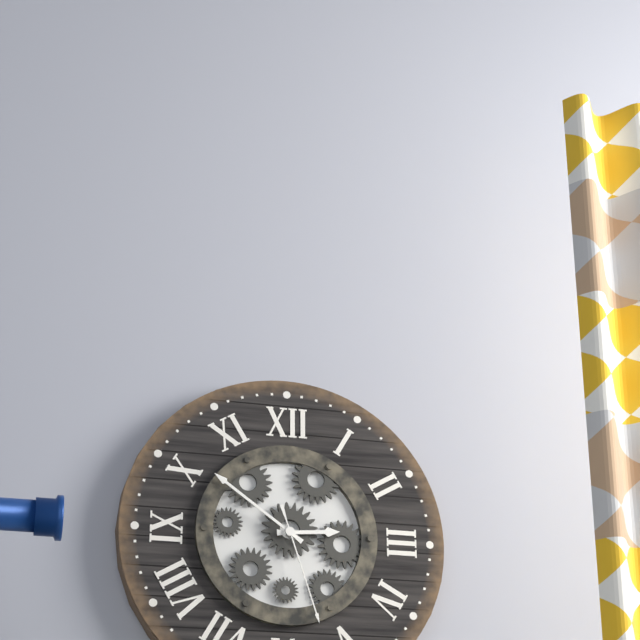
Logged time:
h=2 m=51 s=27
